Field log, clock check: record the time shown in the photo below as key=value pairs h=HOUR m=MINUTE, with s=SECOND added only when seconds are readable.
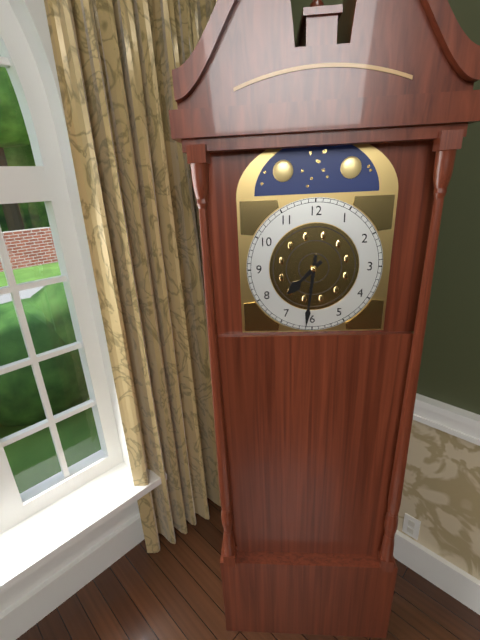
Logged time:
h=7 m=31
